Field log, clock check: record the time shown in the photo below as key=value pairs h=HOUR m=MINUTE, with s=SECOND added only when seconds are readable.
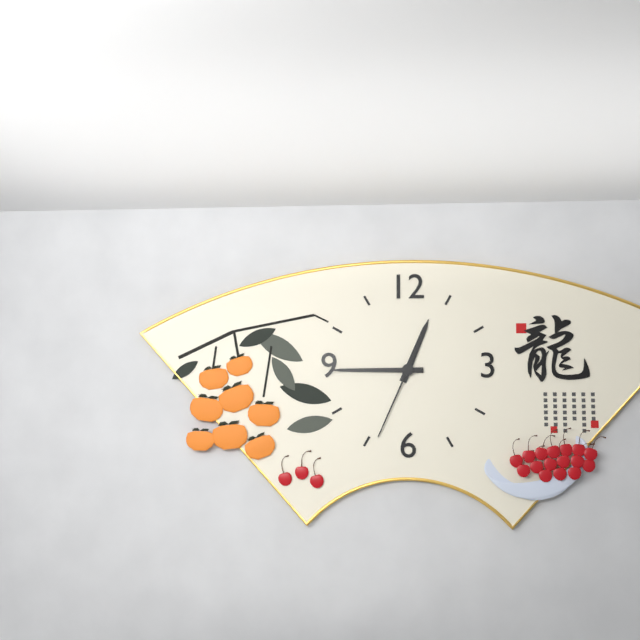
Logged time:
h=12 m=45 s=34
